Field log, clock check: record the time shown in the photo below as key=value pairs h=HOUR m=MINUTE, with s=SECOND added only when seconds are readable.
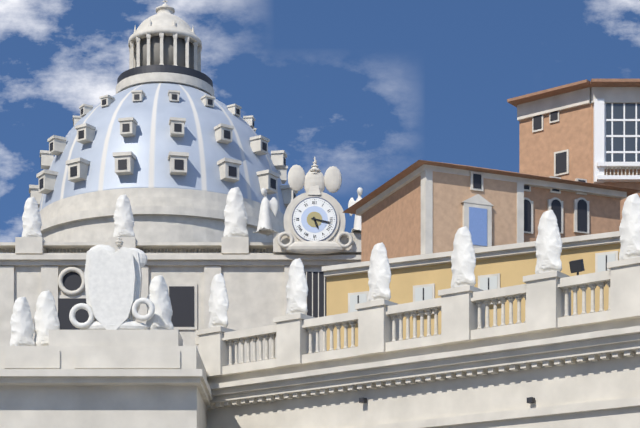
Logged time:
h=5 m=17
